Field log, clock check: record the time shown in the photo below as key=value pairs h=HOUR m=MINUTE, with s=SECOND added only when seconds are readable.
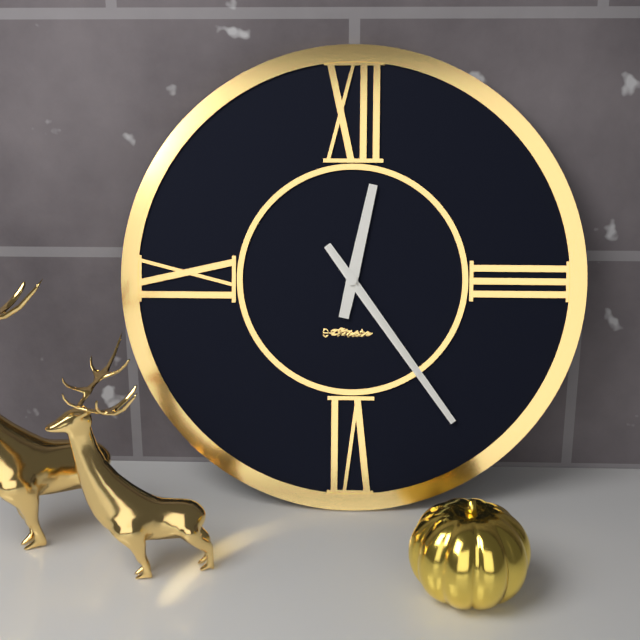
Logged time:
h=12 m=24 s=24
